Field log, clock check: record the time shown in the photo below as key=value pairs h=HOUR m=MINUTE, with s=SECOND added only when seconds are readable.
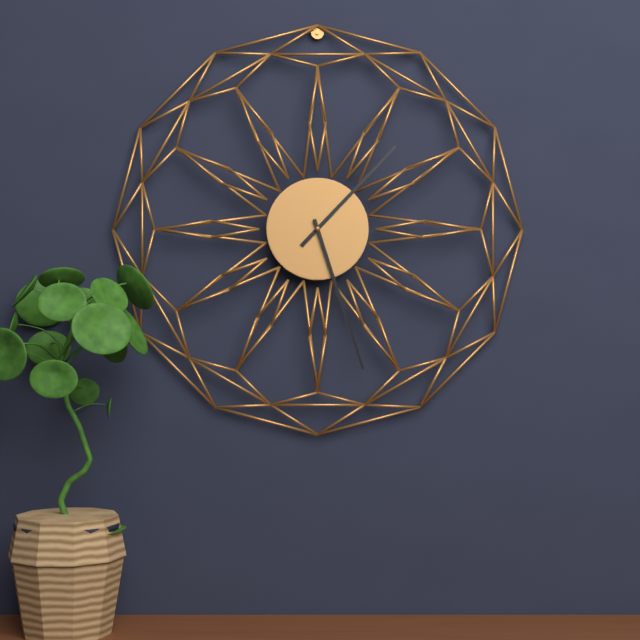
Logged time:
h=1 m=27
